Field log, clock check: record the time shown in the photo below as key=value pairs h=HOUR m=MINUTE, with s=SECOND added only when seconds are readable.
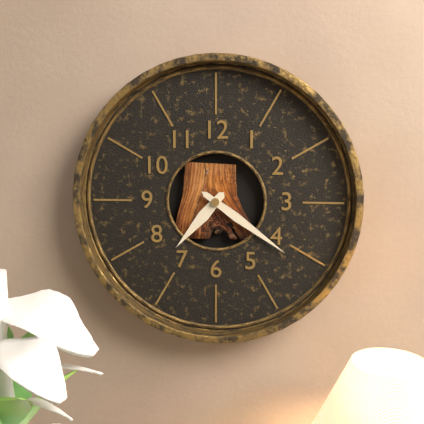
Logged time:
h=7 m=21
